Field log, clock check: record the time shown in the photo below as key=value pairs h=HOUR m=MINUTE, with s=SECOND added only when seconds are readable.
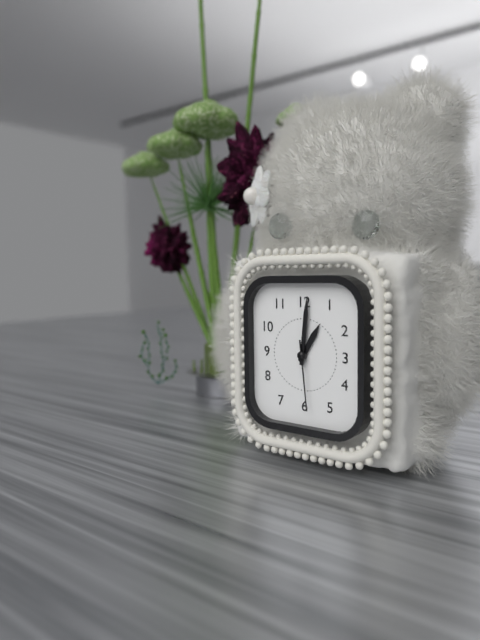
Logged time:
h=1 m=1 s=29
